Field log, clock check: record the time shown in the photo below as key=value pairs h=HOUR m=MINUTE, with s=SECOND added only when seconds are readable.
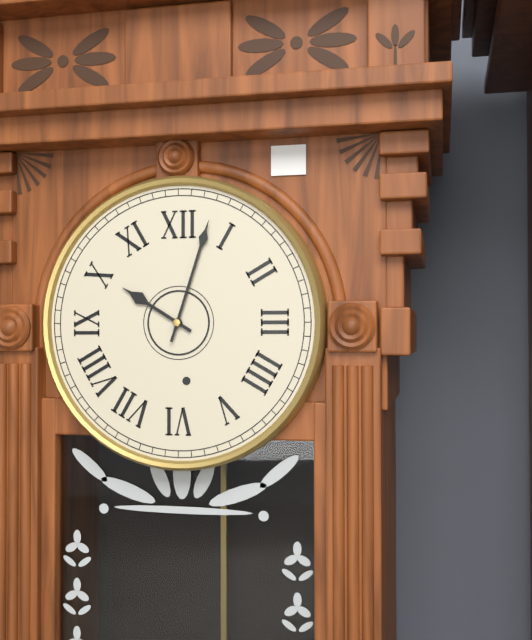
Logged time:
h=10 m=3
